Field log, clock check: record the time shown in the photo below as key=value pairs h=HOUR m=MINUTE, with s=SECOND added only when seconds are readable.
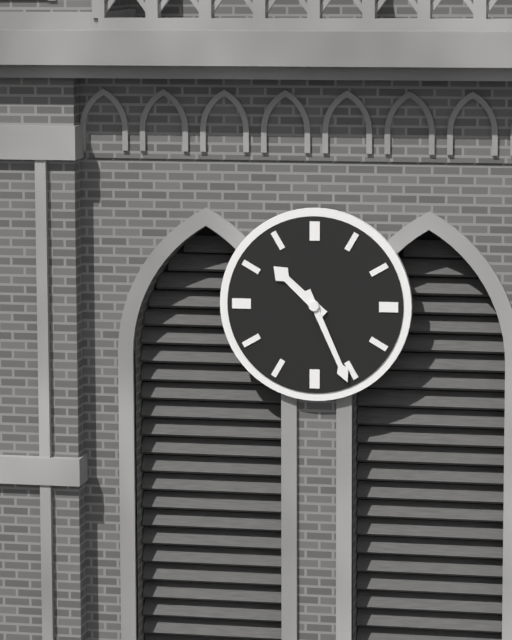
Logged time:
h=10 m=26
